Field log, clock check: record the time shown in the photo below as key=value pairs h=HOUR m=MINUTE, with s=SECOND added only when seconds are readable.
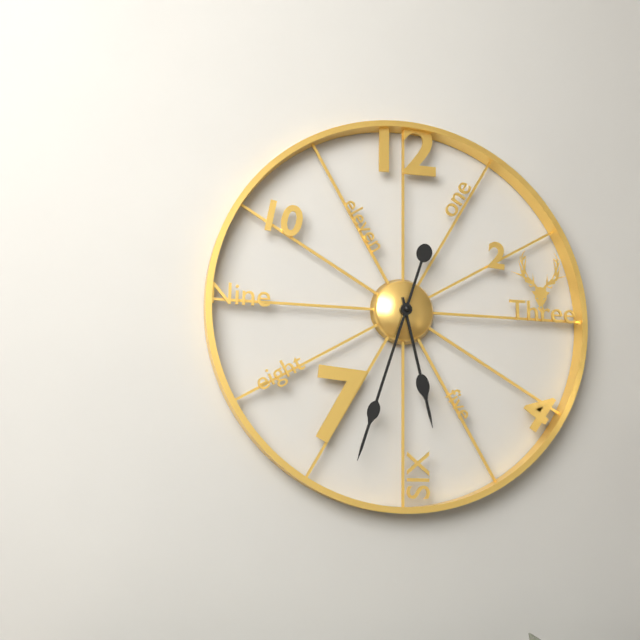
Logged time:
h=5 m=33
